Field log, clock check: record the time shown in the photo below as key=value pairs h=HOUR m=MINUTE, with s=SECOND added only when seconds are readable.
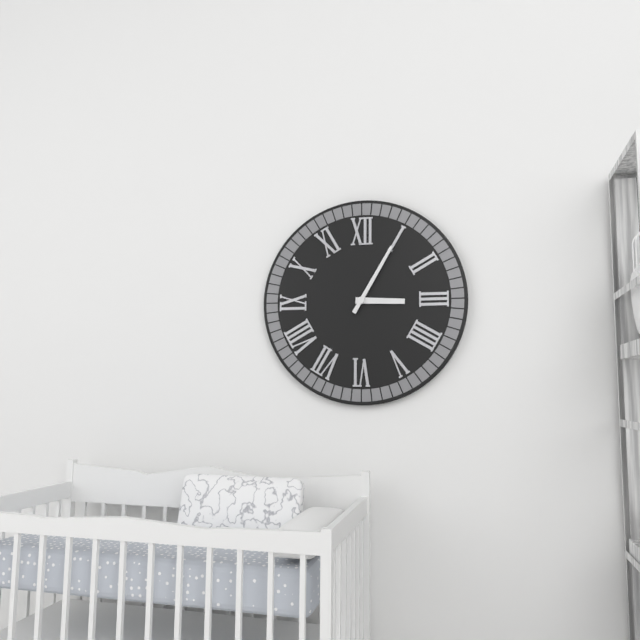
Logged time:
h=3 m=5
